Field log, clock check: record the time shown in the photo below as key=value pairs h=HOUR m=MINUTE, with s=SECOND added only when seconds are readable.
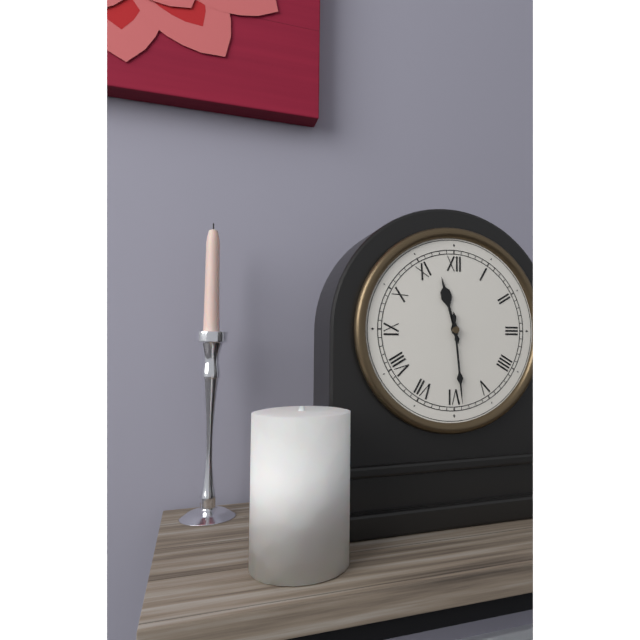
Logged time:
h=11 m=29
